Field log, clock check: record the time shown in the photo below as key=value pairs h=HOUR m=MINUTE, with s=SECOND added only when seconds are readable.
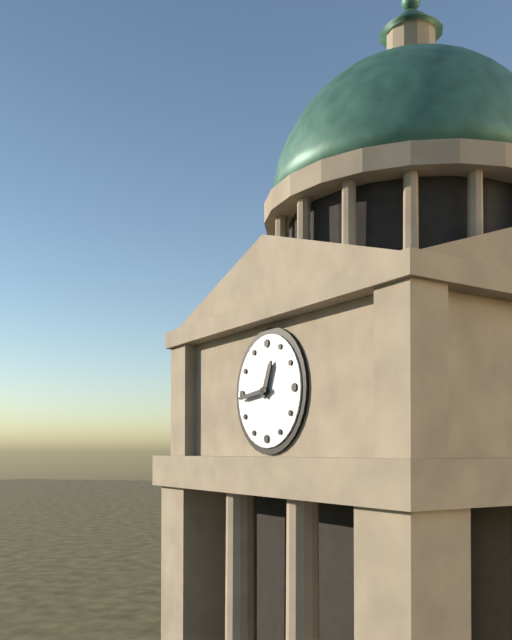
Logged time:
h=12 m=44
